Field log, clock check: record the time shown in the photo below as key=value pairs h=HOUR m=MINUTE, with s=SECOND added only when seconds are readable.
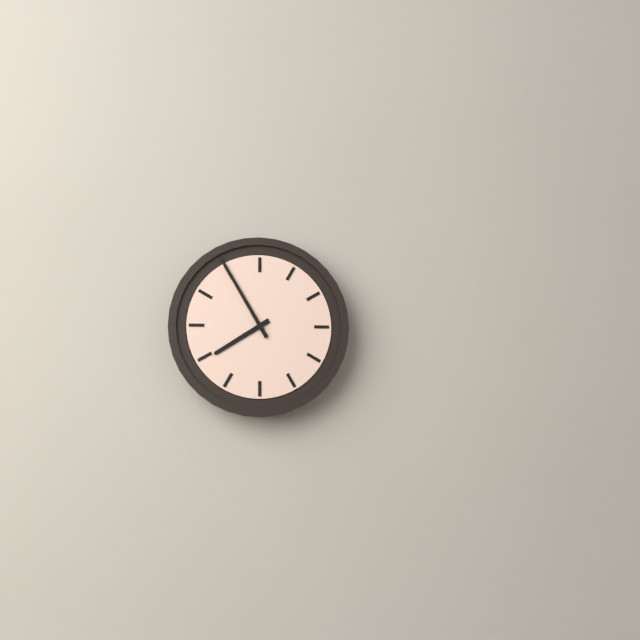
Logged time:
h=7 m=55
